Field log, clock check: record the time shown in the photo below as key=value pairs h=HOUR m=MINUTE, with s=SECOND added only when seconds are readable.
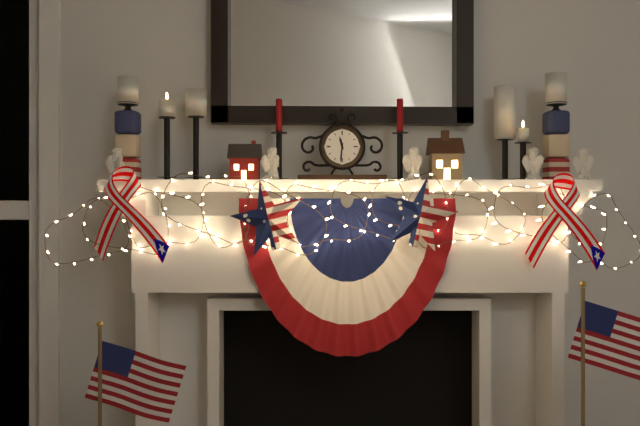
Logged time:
h=11 m=31
